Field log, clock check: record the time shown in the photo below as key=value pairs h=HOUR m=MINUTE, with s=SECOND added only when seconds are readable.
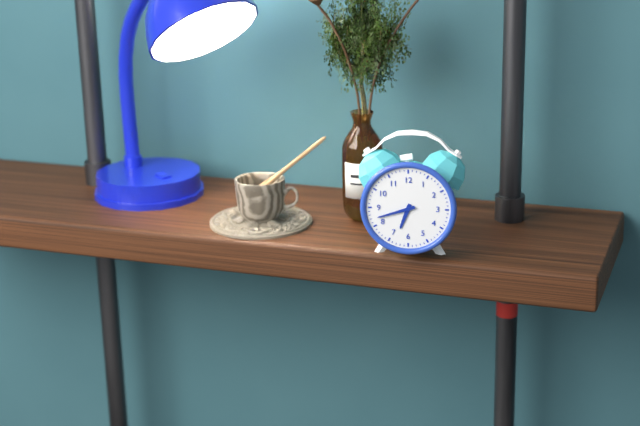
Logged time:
h=6 m=42
